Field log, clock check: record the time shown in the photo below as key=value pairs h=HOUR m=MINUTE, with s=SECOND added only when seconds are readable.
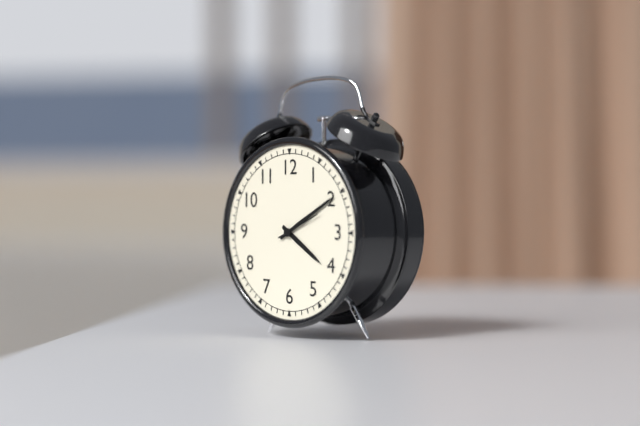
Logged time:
h=4 m=10
